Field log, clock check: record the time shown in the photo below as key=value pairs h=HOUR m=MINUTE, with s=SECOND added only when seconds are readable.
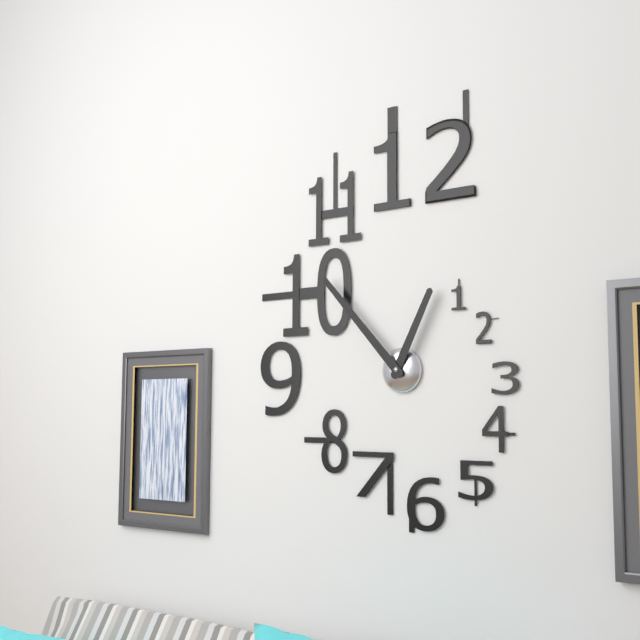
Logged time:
h=12 m=53
